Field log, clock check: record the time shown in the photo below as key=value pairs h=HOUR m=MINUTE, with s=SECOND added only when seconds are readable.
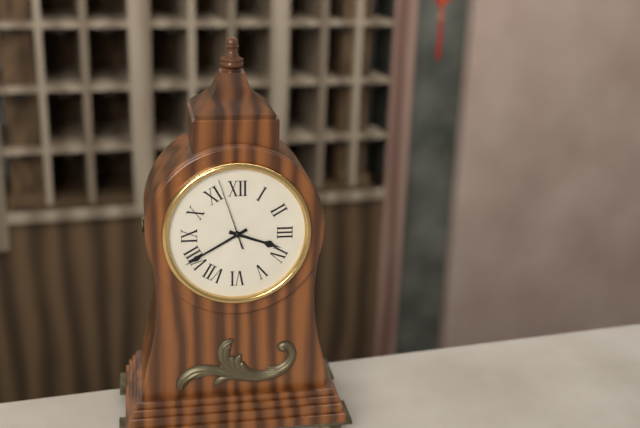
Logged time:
h=3 m=40 s=57
